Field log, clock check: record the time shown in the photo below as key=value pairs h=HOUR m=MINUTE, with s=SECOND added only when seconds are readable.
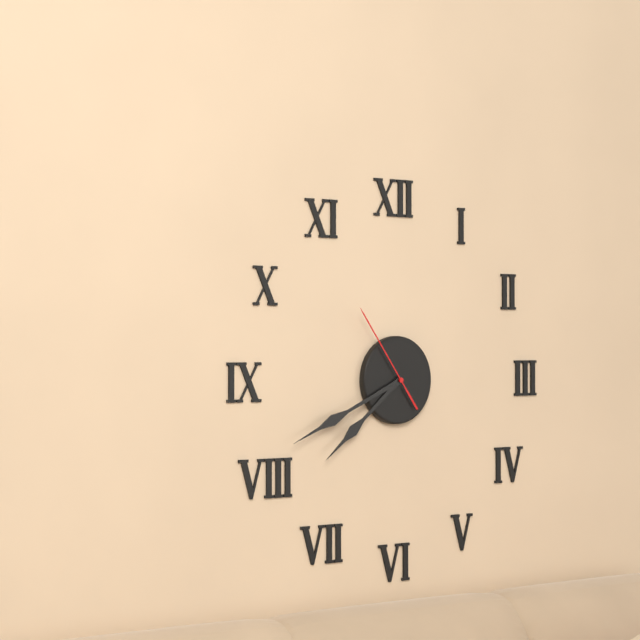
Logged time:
h=7 m=41 s=54
